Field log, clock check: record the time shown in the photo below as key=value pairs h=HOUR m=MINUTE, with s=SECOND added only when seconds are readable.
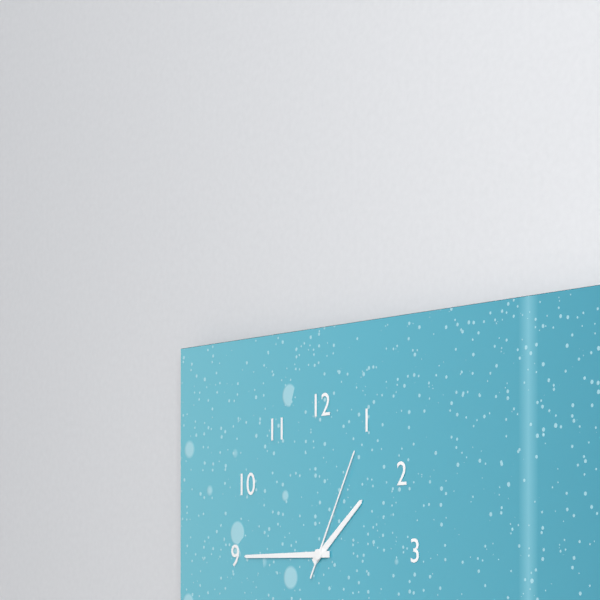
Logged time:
h=1 m=45 s=5
